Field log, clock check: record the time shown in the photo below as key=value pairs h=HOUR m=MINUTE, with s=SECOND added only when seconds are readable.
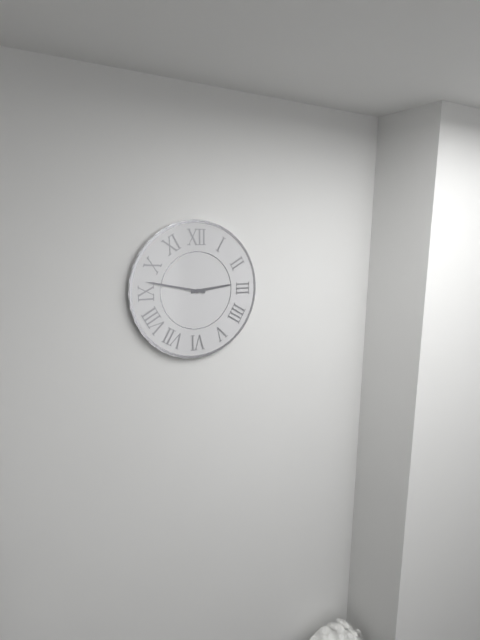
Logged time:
h=2 m=47
